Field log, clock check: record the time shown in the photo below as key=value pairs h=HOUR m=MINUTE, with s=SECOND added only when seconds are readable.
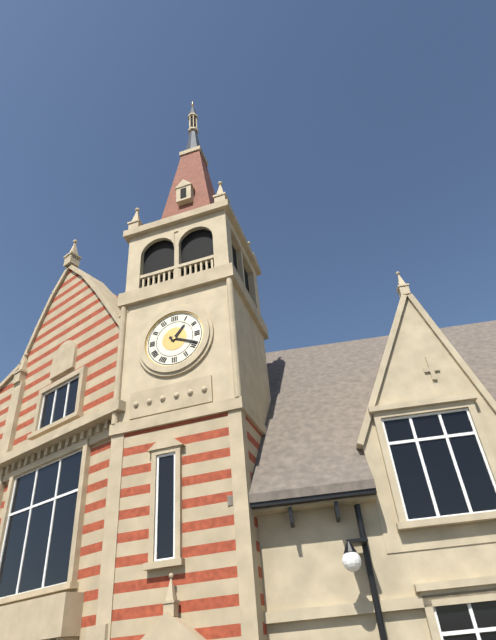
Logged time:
h=1 m=19
